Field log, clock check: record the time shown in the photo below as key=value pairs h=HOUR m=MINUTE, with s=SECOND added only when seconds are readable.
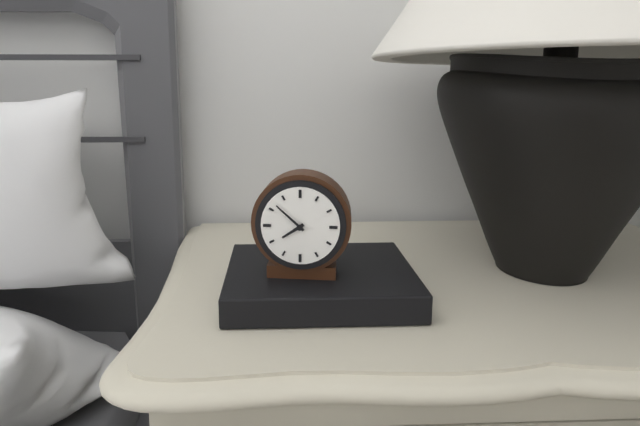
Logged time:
h=7 m=52
